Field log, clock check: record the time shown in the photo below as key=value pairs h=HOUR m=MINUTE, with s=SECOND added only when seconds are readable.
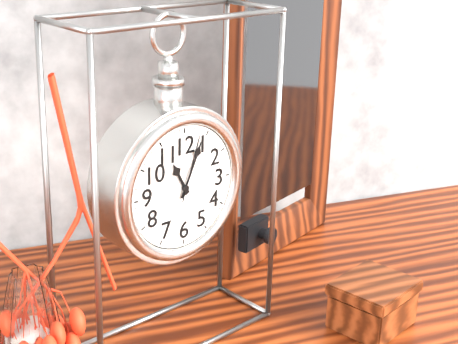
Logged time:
h=11 m=4 s=3
